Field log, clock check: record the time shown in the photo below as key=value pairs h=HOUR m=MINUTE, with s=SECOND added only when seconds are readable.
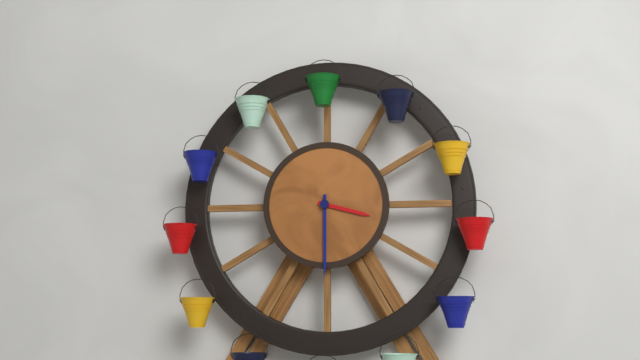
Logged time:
h=3 m=30
